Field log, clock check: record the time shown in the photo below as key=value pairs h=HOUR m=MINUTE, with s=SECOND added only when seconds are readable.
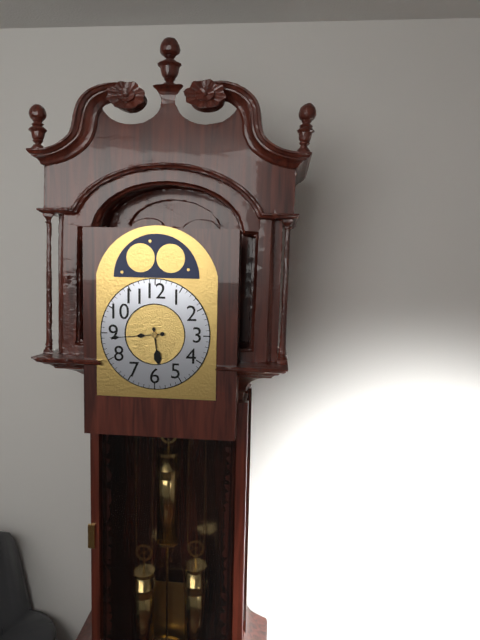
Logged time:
h=5 m=44
